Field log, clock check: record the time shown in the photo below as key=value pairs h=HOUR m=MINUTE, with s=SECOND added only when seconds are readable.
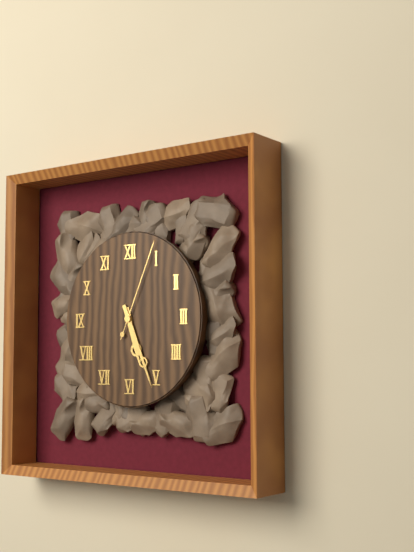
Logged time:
h=5 m=26 s=4
